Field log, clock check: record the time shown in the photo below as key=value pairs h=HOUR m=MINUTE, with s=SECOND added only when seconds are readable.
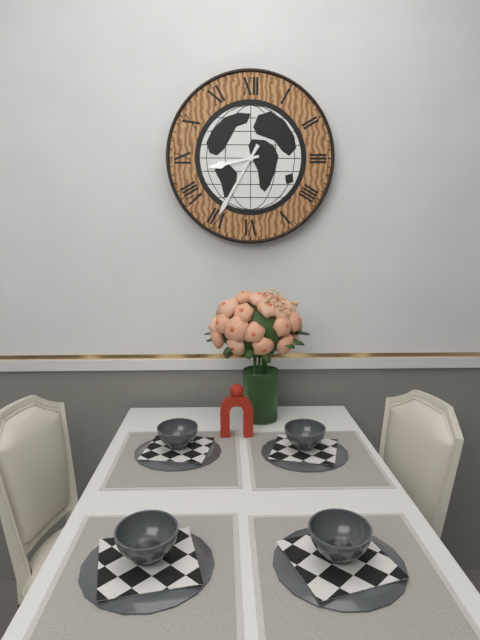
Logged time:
h=8 m=35
